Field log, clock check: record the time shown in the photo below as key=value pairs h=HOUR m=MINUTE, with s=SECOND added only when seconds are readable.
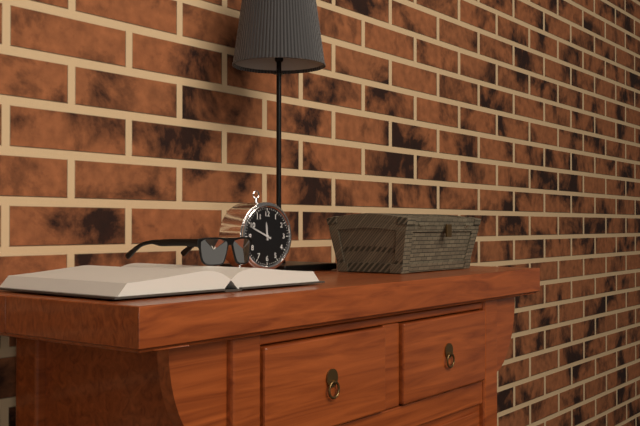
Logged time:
h=11 m=49
